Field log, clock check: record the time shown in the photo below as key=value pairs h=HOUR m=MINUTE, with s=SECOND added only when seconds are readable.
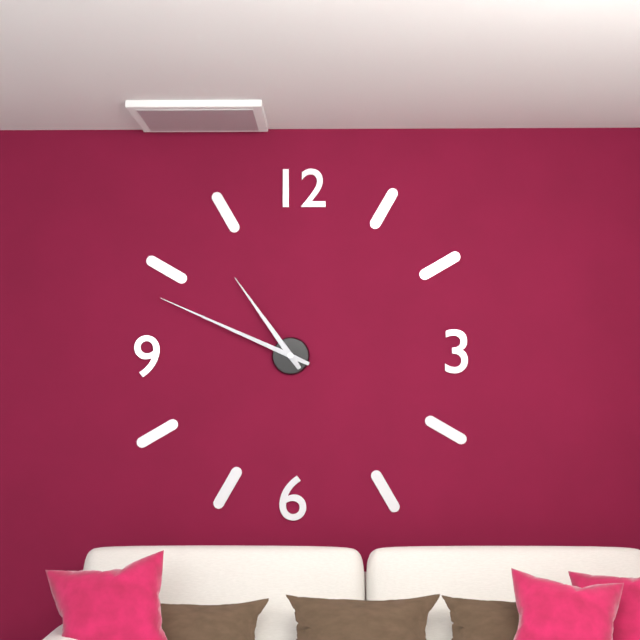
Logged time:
h=10 m=49
